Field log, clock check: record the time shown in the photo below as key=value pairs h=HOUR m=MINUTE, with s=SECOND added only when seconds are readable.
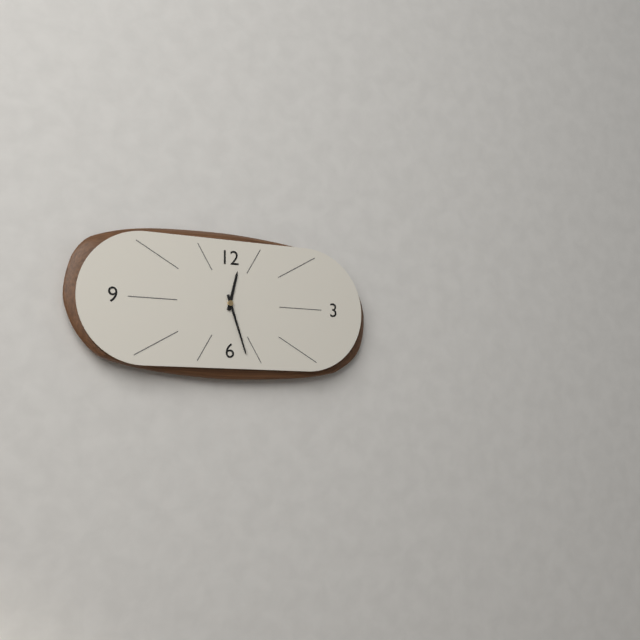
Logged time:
h=12 m=27
